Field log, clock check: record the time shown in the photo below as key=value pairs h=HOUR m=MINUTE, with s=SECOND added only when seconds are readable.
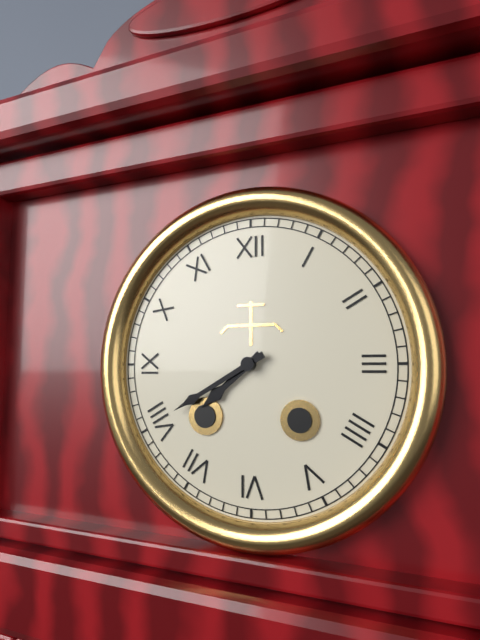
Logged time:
h=7 m=40
